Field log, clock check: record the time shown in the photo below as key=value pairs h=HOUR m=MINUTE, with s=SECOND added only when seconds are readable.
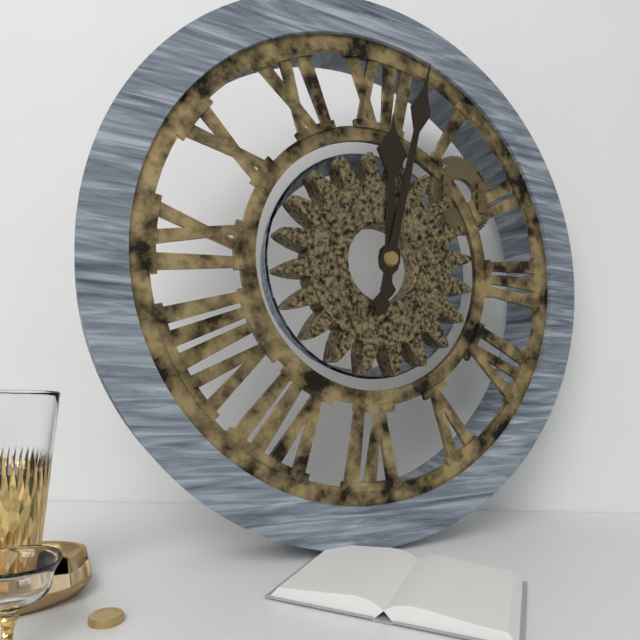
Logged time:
h=12 m=2
